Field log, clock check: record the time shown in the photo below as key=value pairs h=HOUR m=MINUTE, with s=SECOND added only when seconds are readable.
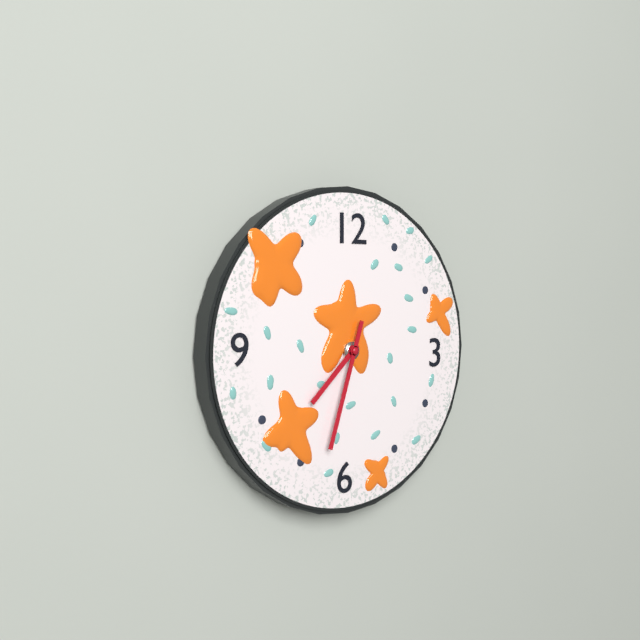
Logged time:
h=7 m=33
